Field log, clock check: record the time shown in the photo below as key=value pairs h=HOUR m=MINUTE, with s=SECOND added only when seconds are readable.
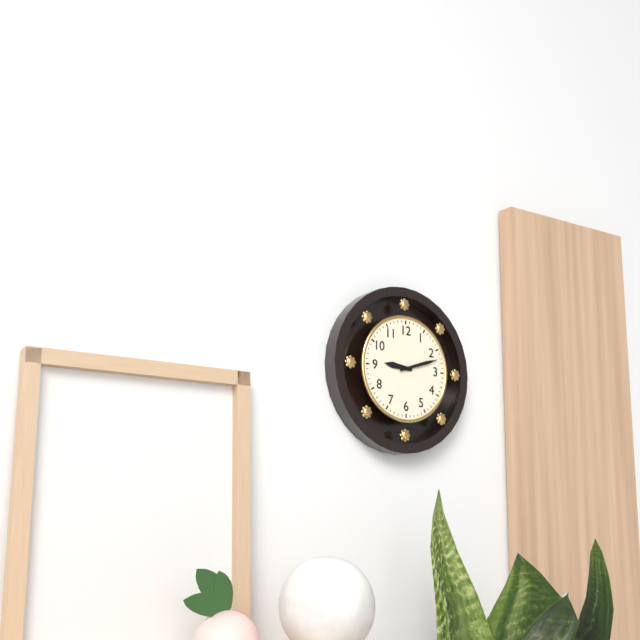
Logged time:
h=9 m=12
